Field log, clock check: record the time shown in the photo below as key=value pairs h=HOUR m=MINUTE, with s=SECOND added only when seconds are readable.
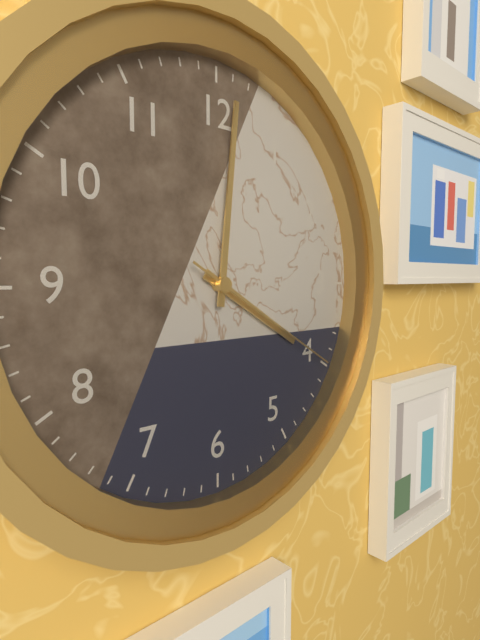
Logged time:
h=4 m=1 s=20
